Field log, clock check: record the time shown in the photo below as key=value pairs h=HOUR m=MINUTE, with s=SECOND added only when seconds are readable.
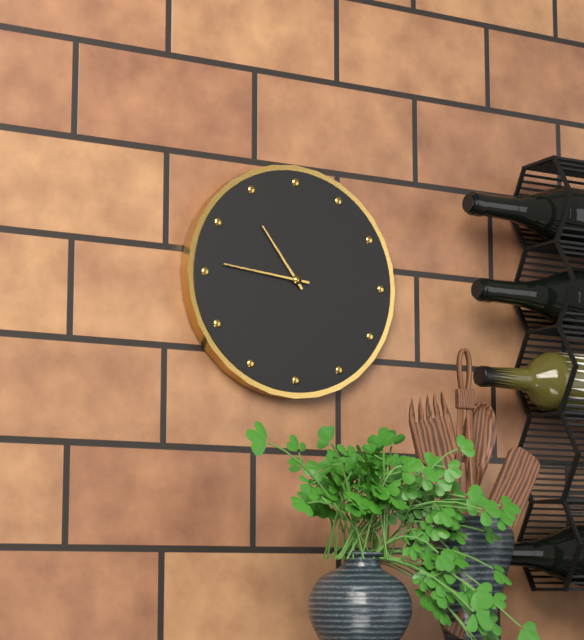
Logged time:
h=10 m=46
